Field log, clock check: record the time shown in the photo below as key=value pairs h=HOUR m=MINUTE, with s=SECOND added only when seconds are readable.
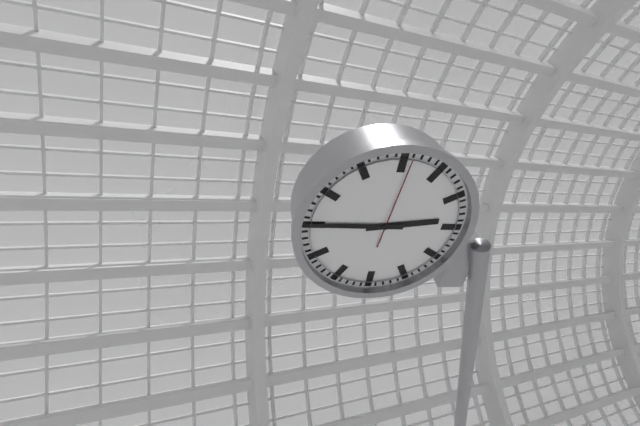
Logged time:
h=2 m=45 s=1
